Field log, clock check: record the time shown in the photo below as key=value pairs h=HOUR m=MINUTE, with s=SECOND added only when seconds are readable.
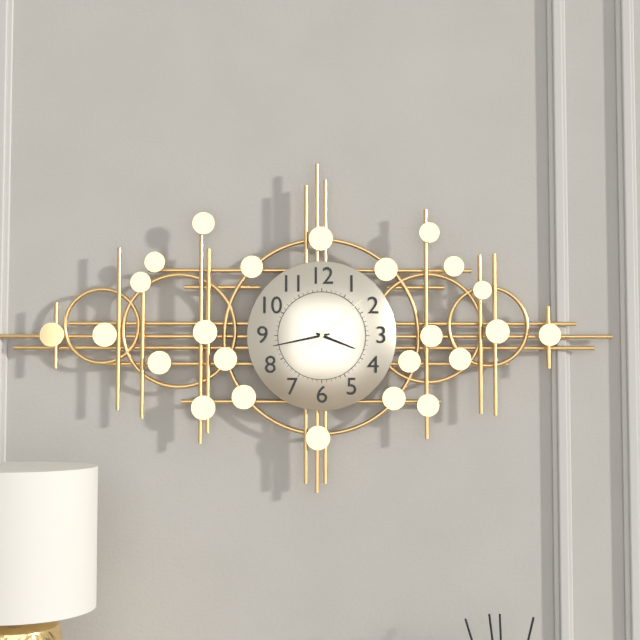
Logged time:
h=3 m=43 s=8
